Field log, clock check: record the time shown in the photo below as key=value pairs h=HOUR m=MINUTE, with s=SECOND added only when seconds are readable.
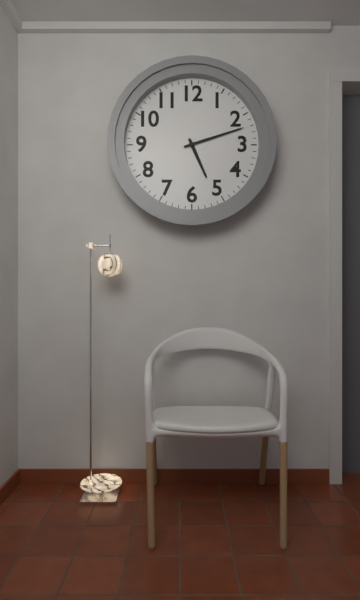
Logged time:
h=5 m=12
